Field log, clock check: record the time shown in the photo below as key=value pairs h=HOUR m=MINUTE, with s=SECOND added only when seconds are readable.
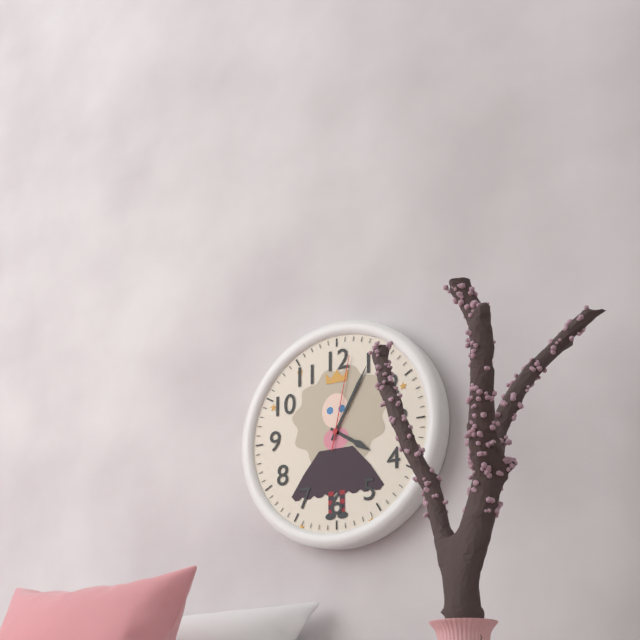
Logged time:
h=4 m=5 s=2
